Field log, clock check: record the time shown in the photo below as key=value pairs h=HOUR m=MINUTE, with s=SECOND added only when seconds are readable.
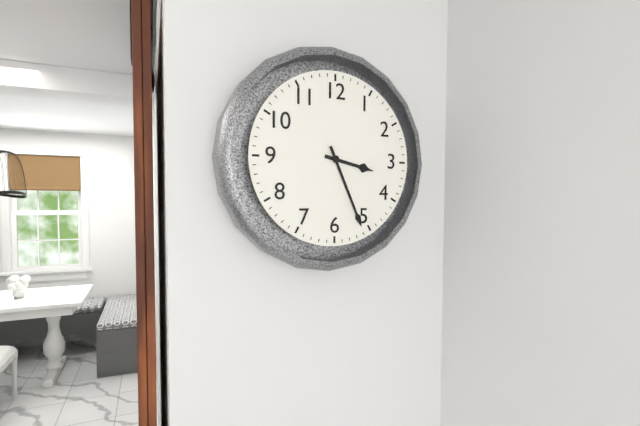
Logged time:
h=3 m=26
